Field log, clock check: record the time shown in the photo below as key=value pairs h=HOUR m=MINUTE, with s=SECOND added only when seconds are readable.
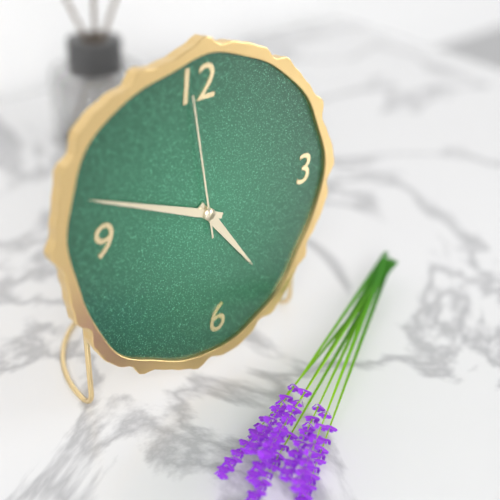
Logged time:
h=4 m=49 s=59
